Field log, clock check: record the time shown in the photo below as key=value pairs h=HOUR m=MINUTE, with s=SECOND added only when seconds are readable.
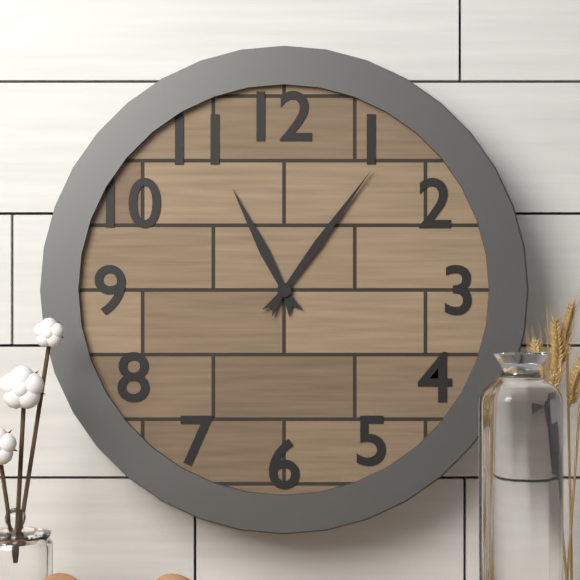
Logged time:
h=11 m=6
